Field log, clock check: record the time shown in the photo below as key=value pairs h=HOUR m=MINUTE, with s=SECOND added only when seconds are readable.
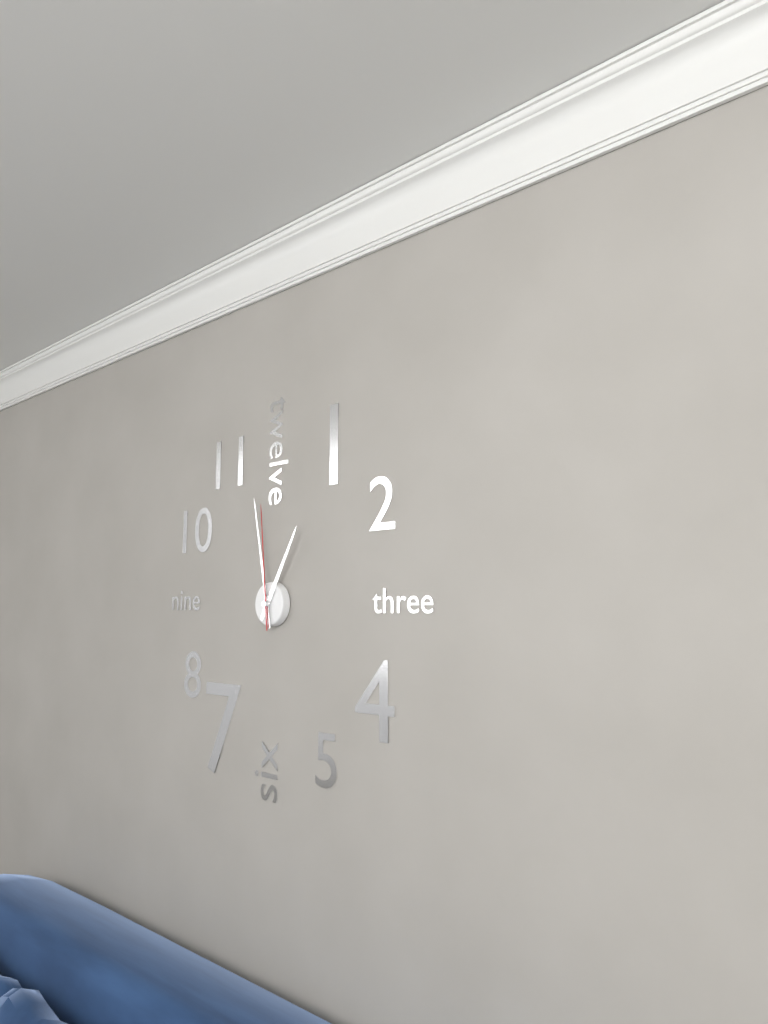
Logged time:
h=12 m=58 s=59
